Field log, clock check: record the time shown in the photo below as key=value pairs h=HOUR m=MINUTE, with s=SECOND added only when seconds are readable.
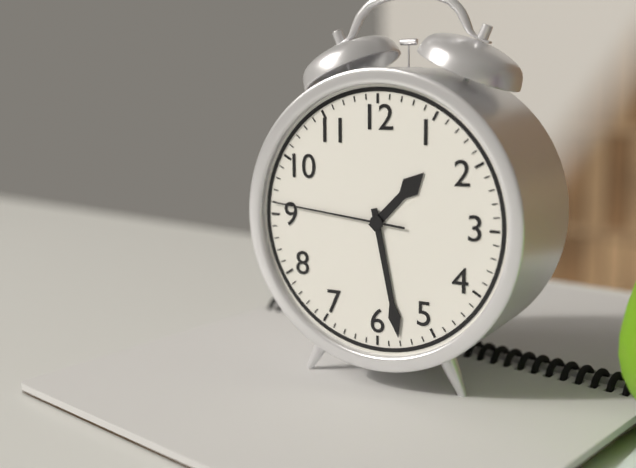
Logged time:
h=1 m=28 s=46
